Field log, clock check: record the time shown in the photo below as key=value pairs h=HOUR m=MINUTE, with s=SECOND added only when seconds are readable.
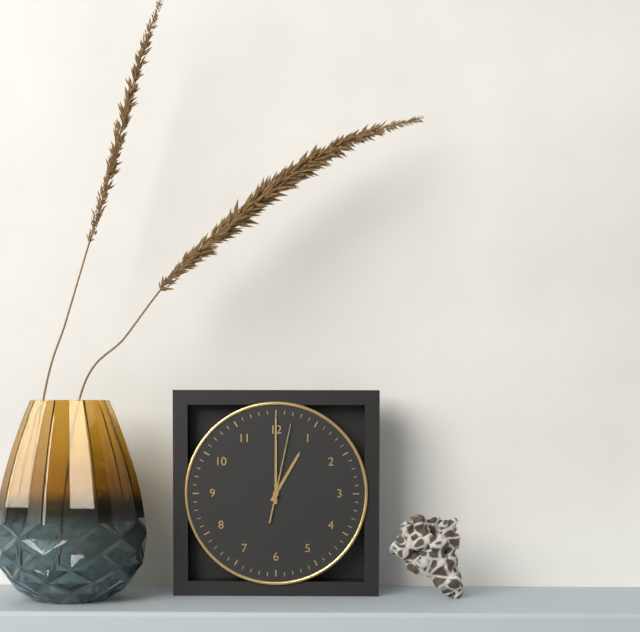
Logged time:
h=1 m=0 s=2
